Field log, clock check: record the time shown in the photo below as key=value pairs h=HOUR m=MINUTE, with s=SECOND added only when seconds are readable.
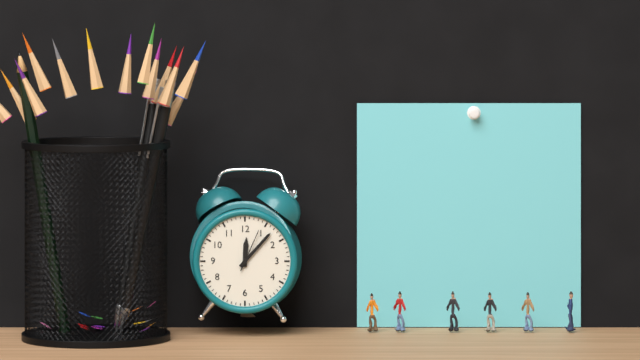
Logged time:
h=12 m=7
